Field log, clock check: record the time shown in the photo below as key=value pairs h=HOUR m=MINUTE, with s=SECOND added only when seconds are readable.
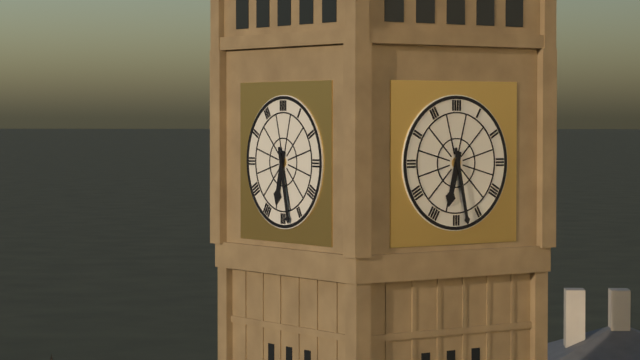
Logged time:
h=6 m=28
